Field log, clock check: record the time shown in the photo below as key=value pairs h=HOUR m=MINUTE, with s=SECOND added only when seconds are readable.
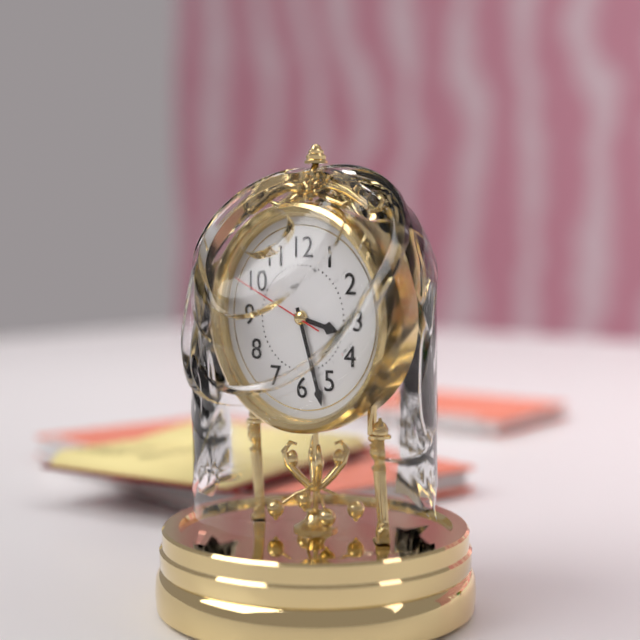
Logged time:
h=3 m=27 s=49
